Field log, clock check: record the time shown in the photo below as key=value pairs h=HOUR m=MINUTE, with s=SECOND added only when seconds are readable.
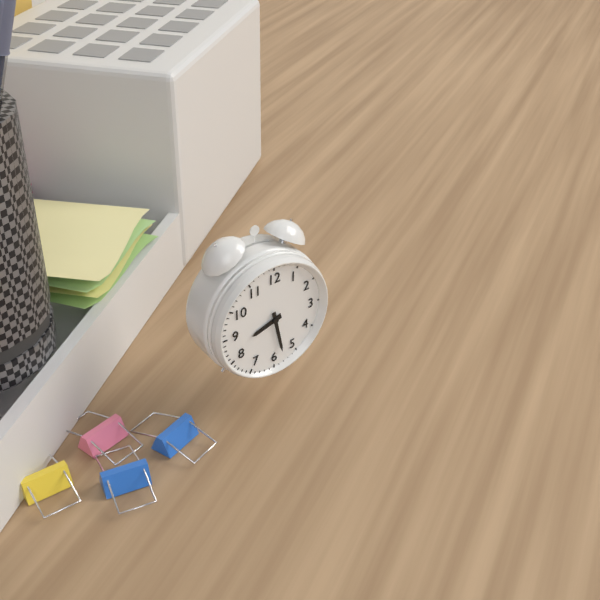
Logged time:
h=8 m=28
